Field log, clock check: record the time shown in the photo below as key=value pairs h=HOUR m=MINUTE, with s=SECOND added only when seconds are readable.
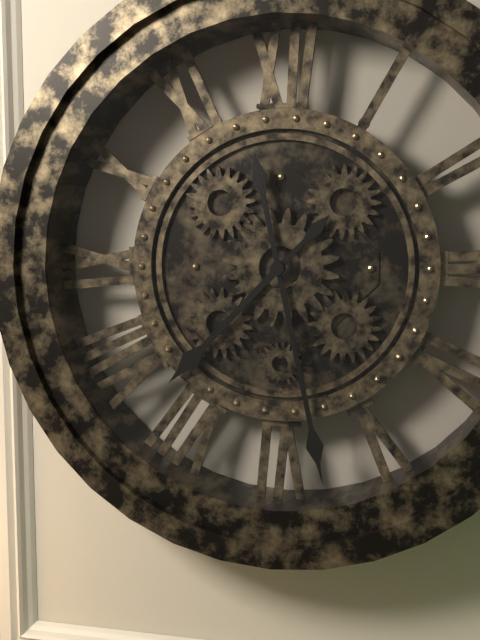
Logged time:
h=7 m=28
